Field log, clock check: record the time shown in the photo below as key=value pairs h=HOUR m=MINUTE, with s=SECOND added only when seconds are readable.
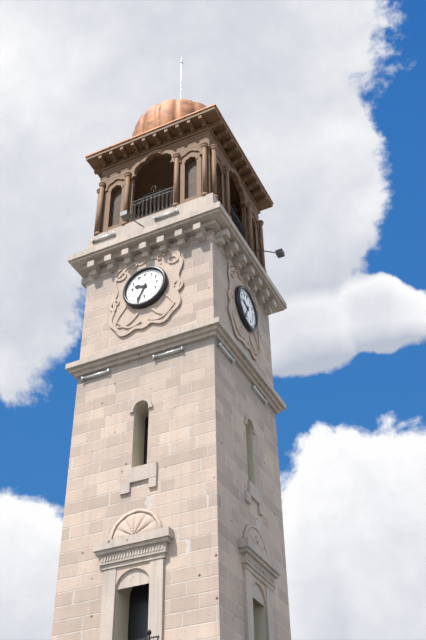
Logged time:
h=9 m=34
